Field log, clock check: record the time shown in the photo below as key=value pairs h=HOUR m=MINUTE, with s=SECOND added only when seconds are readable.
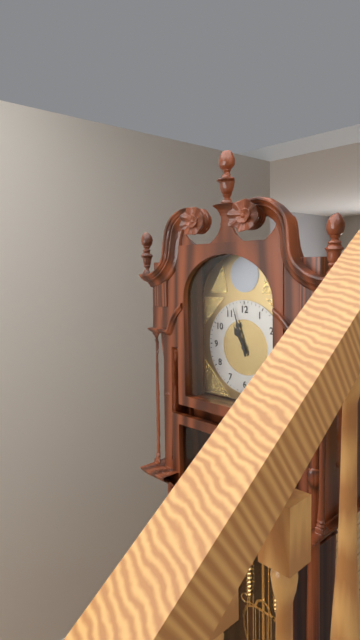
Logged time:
h=10 m=57
